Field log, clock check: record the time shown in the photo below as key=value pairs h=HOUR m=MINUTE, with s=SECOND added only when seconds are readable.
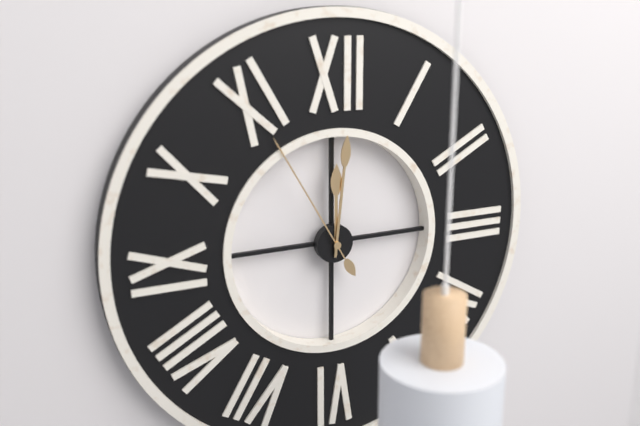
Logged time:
h=12 m=1 s=55
